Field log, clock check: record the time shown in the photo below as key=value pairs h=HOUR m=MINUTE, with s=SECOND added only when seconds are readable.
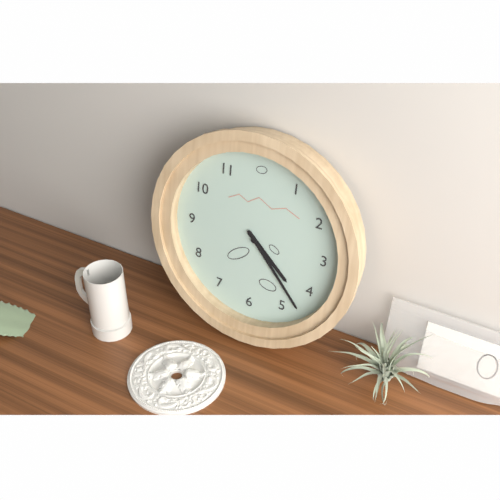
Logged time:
h=4 m=23
